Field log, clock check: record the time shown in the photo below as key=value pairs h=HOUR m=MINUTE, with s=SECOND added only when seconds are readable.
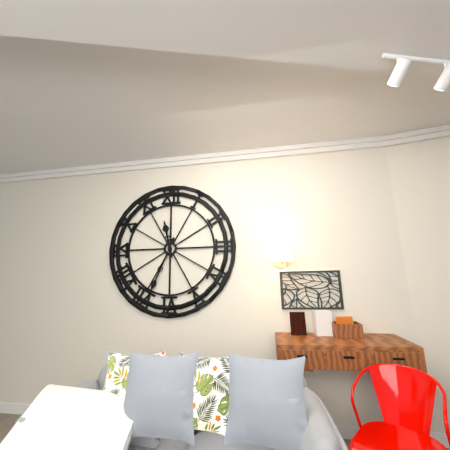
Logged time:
h=11 m=34
